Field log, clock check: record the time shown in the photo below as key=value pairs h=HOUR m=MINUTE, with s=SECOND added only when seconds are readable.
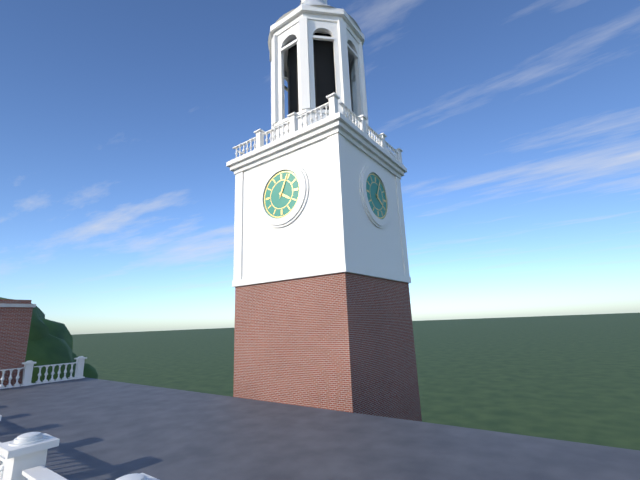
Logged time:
h=4 m=4
